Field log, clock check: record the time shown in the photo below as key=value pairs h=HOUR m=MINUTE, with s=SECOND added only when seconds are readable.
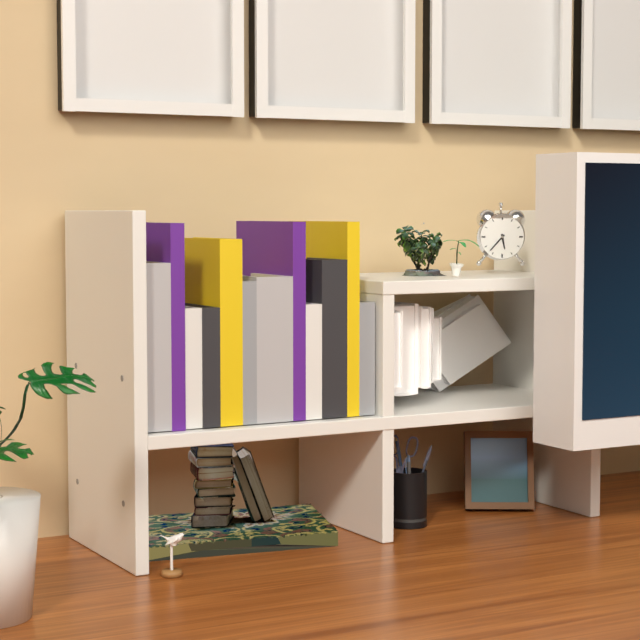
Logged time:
h=5 m=37
